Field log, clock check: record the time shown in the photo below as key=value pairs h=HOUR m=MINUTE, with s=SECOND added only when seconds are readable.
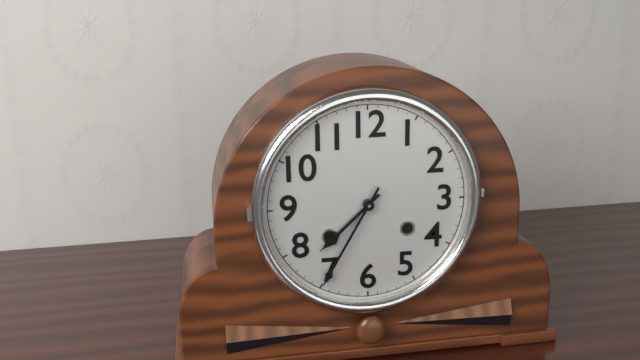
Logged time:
h=7 m=35
